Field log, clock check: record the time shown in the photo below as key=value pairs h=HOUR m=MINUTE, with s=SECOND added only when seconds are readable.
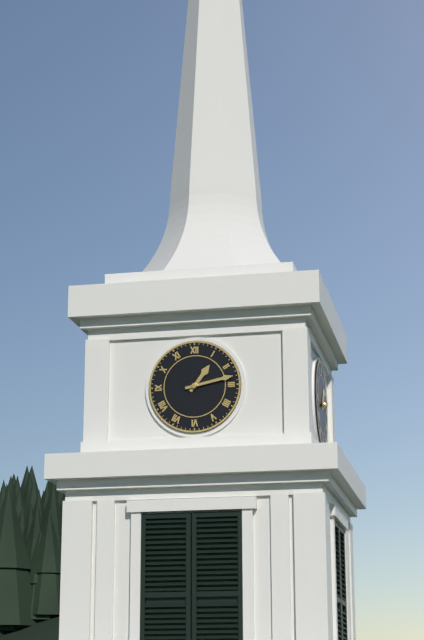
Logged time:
h=1 m=13
